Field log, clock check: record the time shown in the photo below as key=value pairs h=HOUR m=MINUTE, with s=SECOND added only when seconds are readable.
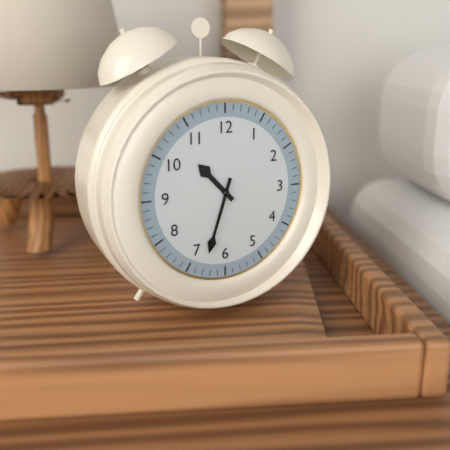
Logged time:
h=10 m=33
